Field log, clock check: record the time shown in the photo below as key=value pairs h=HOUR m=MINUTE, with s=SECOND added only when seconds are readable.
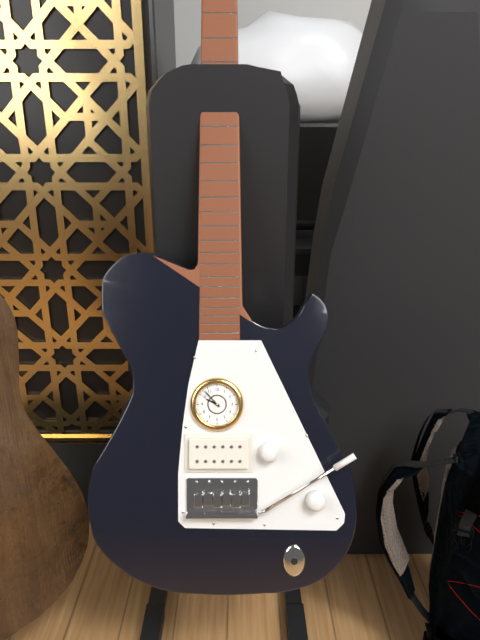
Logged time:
h=9 m=53
